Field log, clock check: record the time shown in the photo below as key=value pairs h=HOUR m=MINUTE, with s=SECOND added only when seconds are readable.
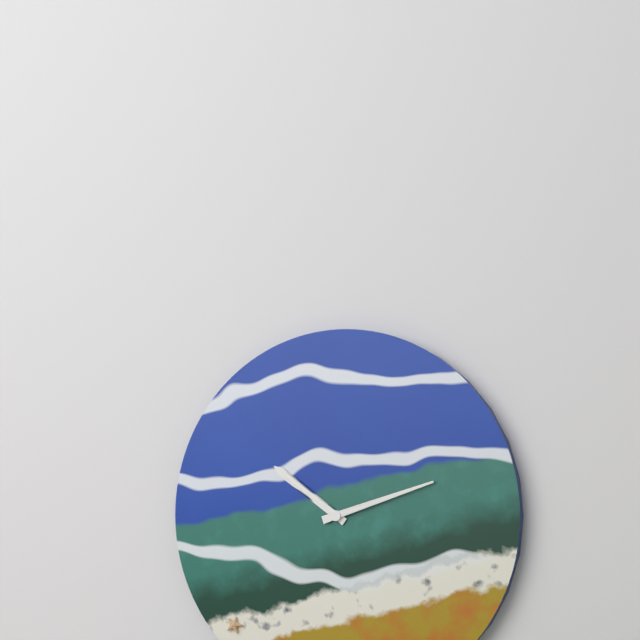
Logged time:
h=10 m=12
